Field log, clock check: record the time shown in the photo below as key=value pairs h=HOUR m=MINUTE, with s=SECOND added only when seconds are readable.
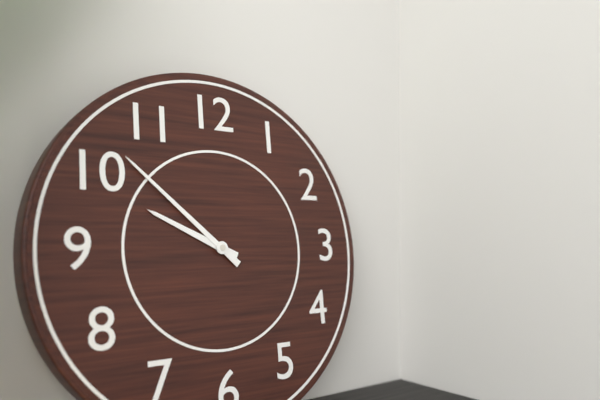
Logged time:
h=9 m=52
